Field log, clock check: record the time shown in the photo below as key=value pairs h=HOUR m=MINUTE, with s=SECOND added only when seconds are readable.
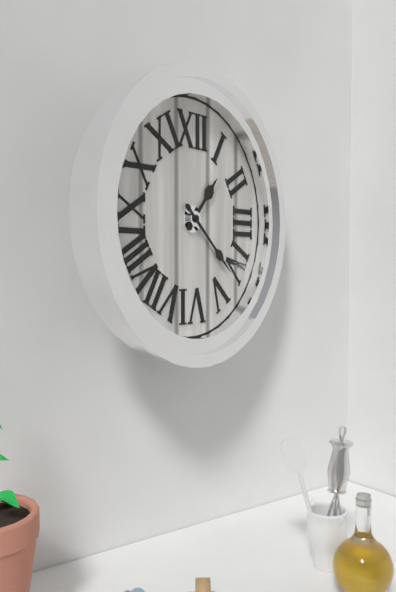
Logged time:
h=1 m=22
